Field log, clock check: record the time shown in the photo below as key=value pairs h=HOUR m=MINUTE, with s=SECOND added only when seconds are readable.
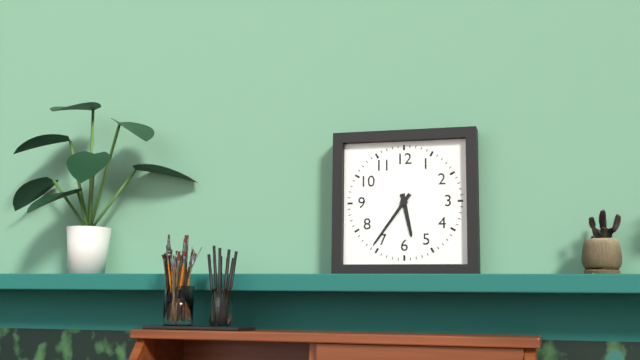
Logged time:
h=5 m=36
